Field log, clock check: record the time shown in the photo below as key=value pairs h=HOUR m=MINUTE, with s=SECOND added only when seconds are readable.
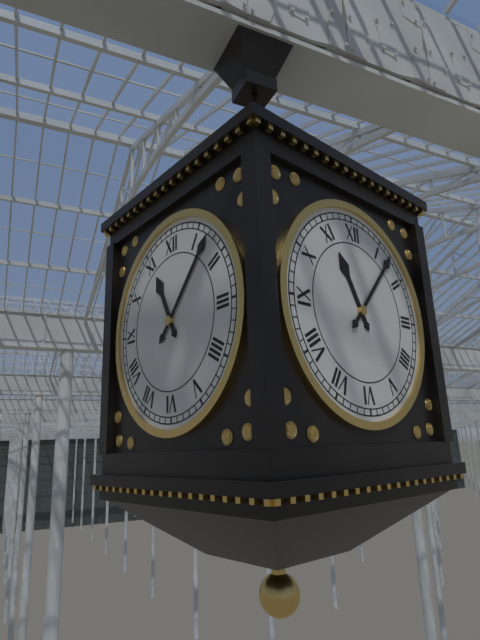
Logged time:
h=11 m=7
